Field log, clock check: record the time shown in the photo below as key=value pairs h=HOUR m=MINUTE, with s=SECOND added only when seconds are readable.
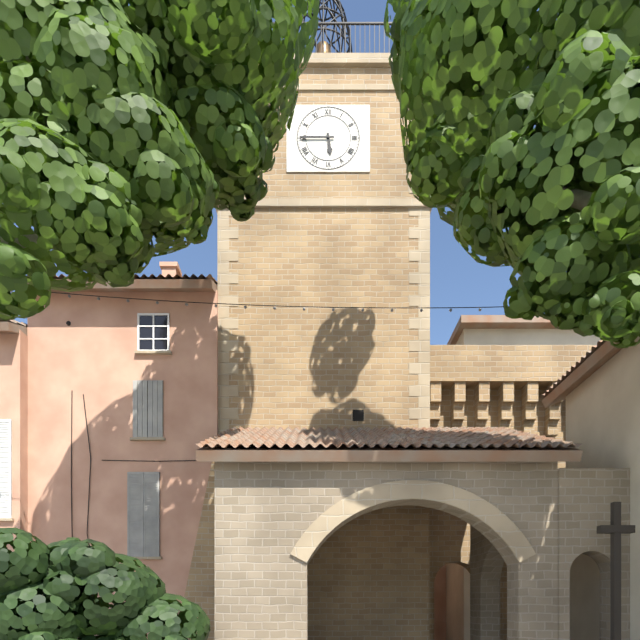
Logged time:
h=5 m=45
